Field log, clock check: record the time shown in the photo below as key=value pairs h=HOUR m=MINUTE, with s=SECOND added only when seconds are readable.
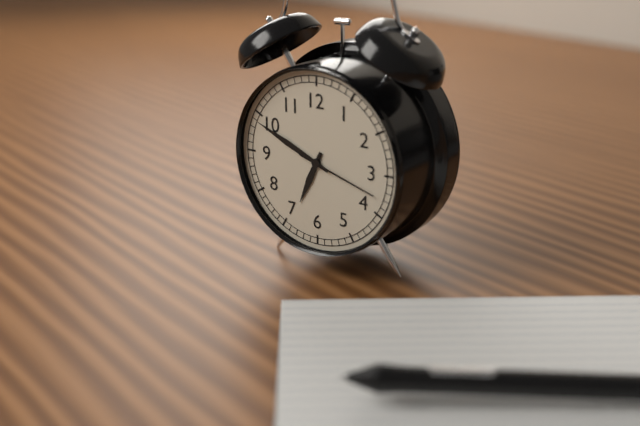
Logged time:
h=6 m=49 s=18
